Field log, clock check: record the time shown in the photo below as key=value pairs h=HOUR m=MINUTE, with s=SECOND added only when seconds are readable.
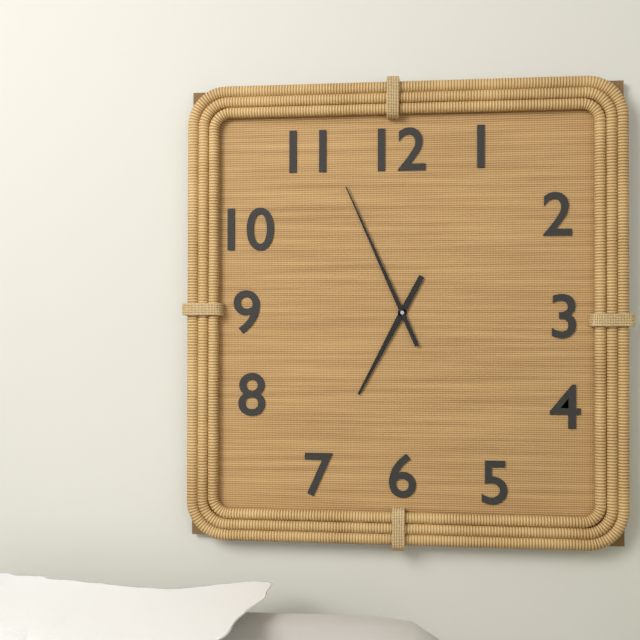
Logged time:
h=6 m=56
